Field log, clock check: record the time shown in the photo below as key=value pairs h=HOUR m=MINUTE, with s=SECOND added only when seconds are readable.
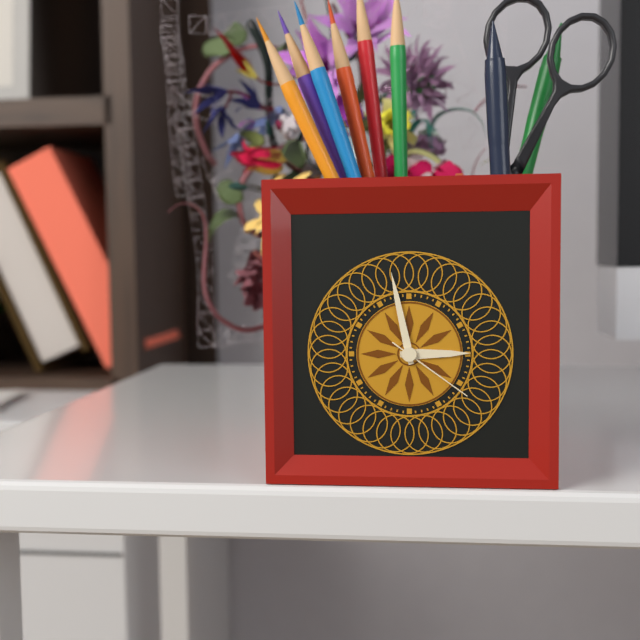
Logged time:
h=2 m=58 s=21
